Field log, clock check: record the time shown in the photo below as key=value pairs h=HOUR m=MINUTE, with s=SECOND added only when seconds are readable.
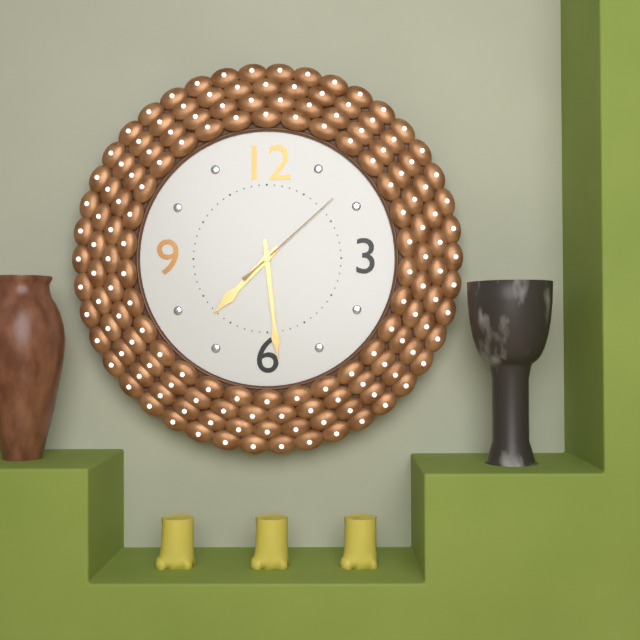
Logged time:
h=7 m=29 s=8
